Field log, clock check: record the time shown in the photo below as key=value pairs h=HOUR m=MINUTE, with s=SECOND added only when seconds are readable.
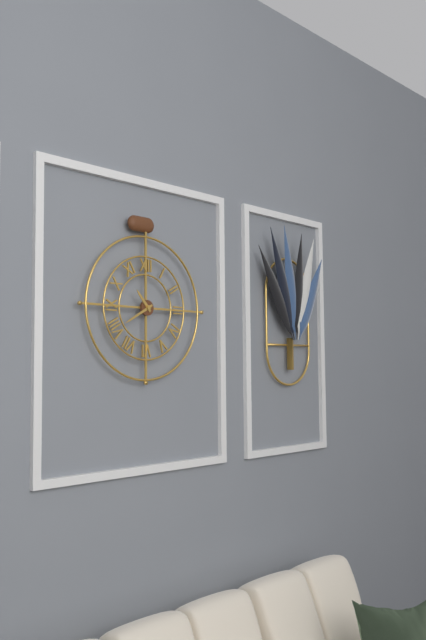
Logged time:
h=10 m=40
